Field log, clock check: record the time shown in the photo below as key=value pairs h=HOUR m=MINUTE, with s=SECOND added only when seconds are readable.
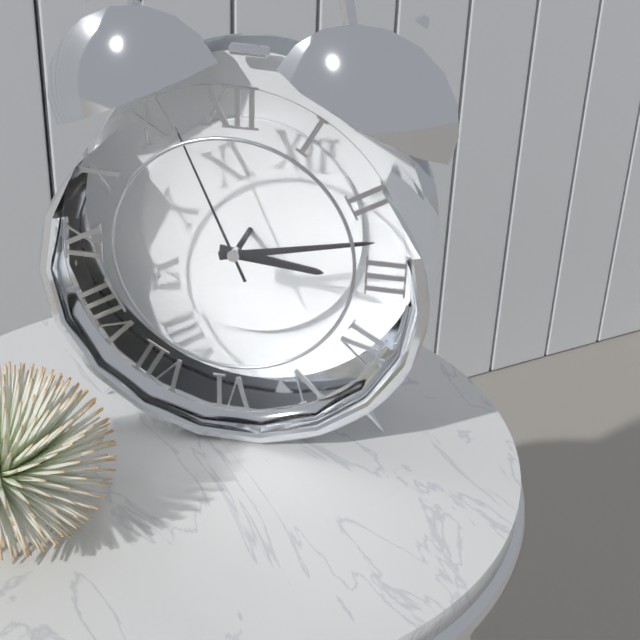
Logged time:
h=3 m=13 s=56
